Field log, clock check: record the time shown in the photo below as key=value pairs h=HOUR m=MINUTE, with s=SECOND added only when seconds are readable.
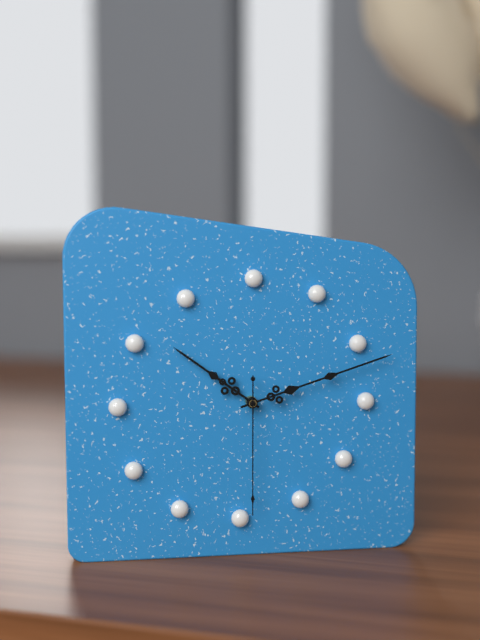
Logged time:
h=10 m=12 s=30
